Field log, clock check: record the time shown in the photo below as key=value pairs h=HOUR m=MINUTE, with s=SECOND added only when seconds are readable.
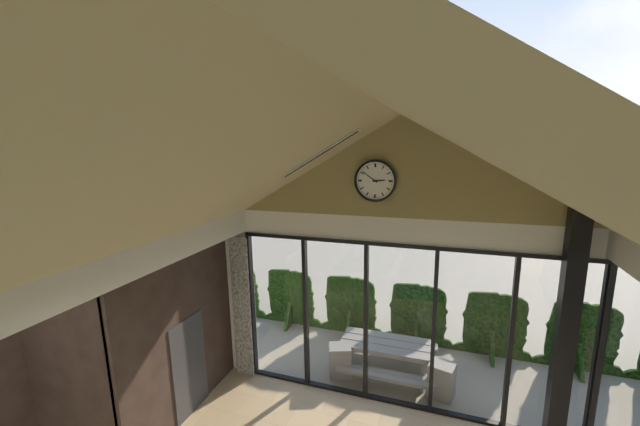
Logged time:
h=2 m=51
